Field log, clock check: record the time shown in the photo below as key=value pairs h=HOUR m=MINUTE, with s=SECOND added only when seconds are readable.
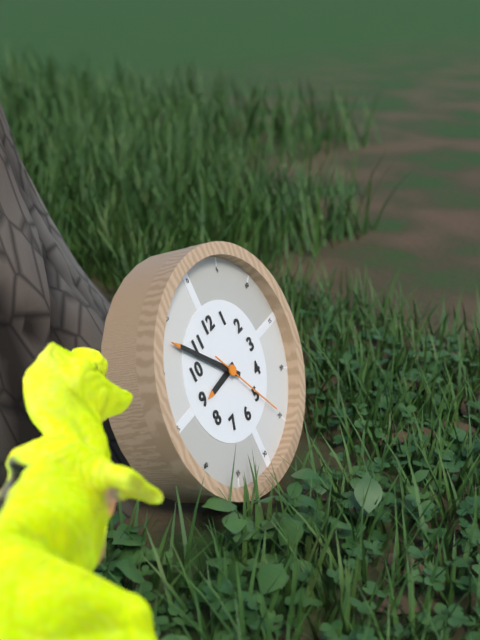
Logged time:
h=8 m=53 s=25
